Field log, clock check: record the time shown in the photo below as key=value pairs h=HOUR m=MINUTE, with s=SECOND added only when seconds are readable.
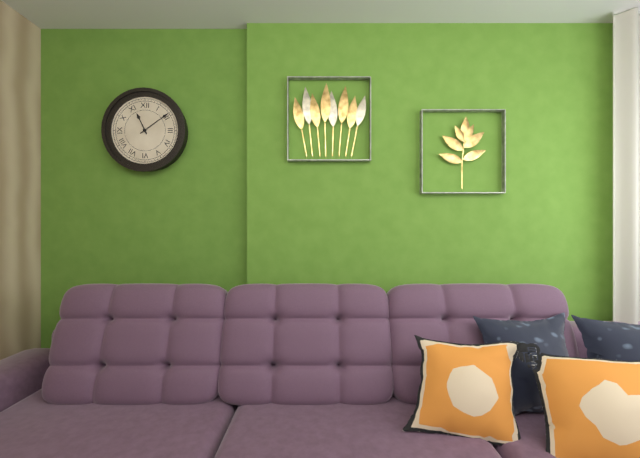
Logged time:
h=11 m=9
